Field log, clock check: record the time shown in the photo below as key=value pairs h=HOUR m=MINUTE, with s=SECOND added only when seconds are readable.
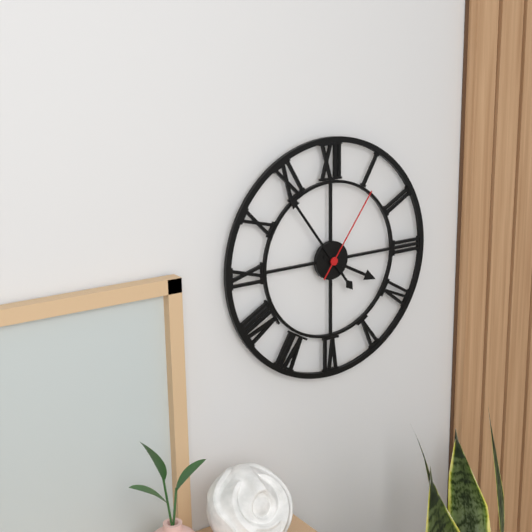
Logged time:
h=3 m=54 s=6
